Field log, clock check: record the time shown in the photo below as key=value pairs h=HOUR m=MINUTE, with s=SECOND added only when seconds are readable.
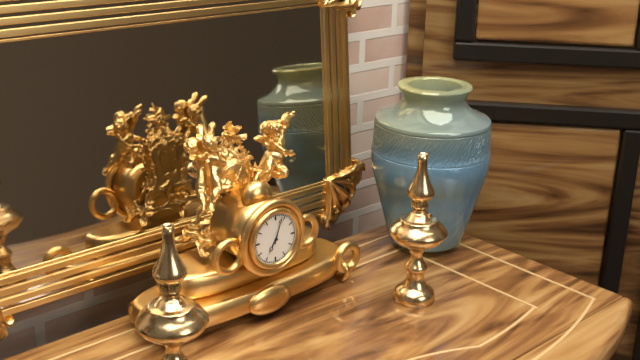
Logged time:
h=7 m=3
